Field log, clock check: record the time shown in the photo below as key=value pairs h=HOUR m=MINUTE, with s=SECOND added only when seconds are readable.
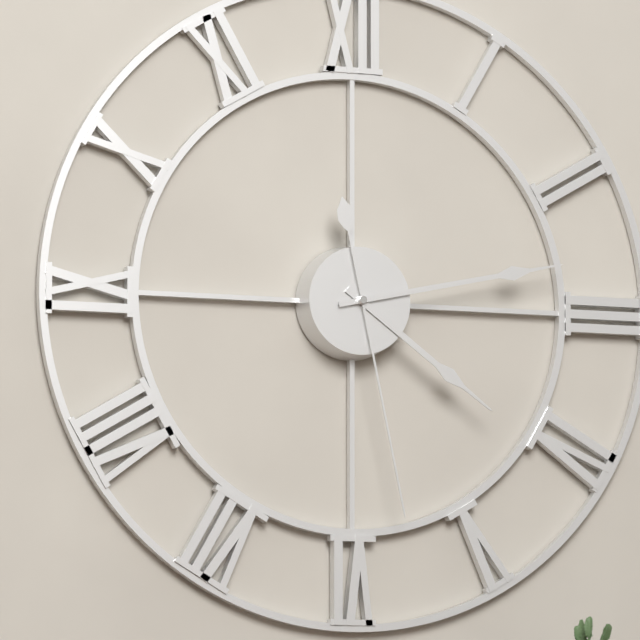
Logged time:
h=4 m=13 s=28
